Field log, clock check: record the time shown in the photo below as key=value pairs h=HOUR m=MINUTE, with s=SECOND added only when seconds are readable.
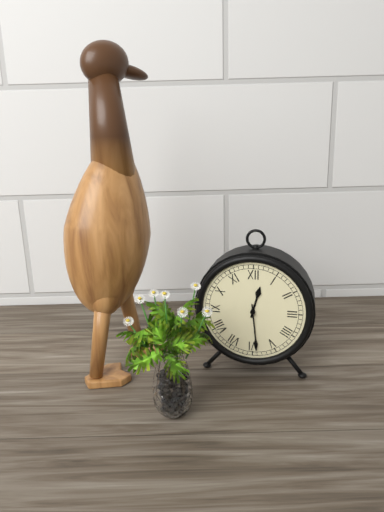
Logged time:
h=12 m=29
